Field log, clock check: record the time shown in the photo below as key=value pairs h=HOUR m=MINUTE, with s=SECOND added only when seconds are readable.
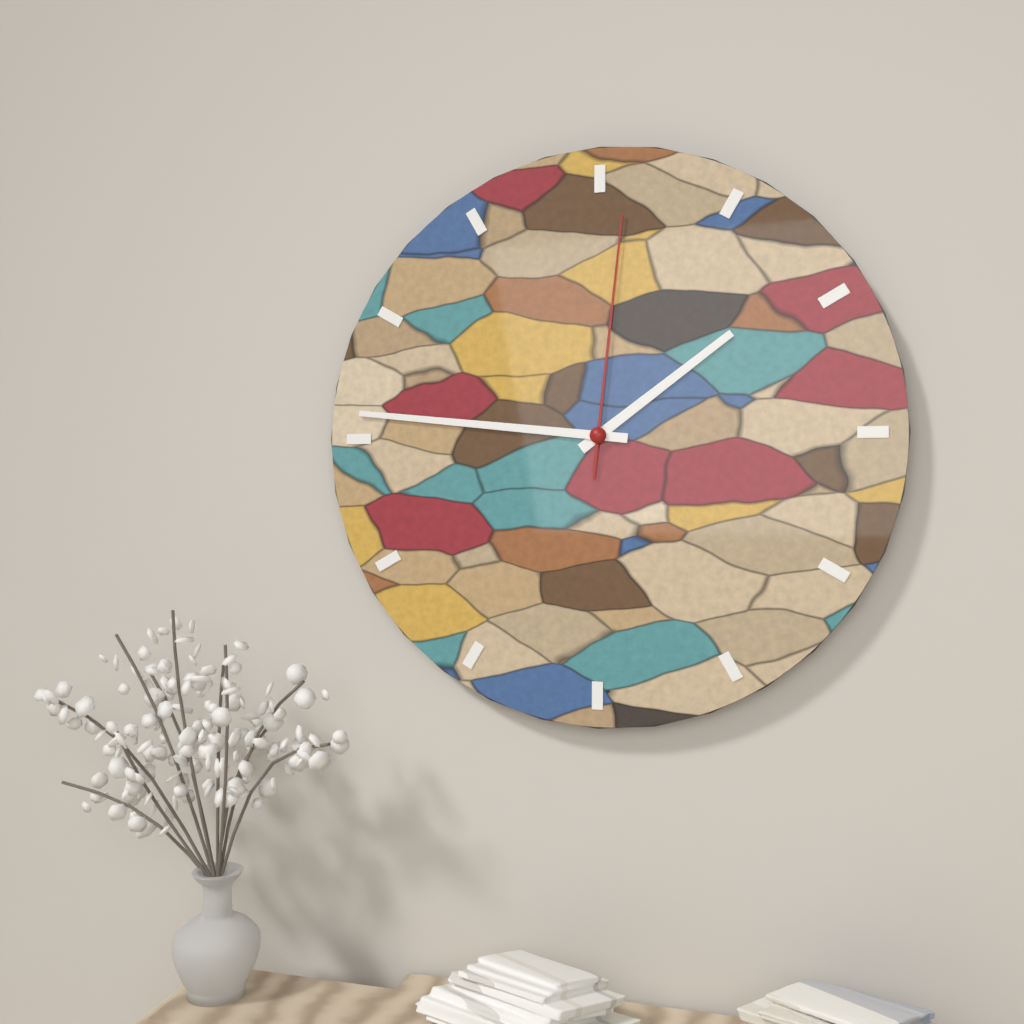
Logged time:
h=1 m=46 s=1
